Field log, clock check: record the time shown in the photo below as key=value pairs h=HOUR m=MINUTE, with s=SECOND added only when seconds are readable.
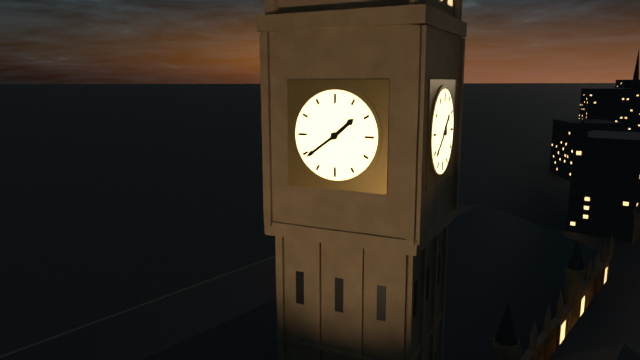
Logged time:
h=1 m=39
